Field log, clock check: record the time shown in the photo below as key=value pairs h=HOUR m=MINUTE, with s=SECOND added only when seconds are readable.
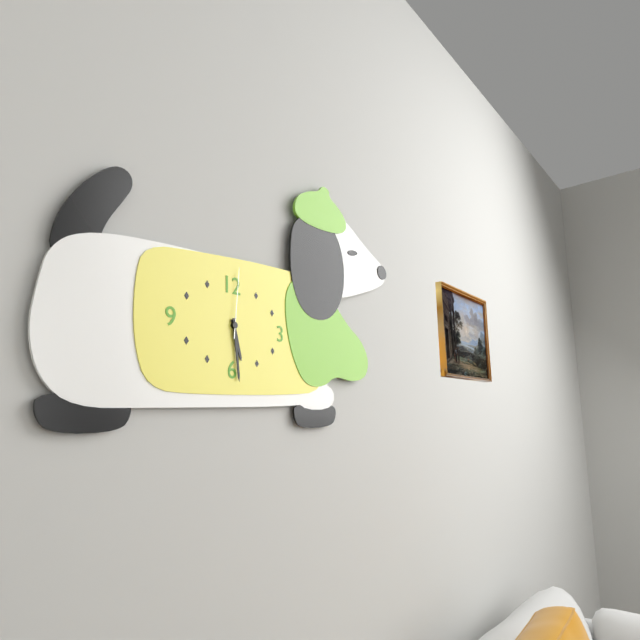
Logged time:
h=5 m=29 s=1
